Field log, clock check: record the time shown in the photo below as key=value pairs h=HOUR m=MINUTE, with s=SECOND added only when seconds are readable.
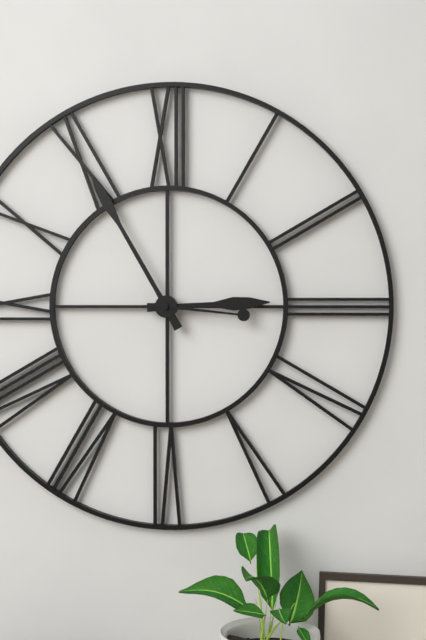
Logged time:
h=2 m=55 s=16
